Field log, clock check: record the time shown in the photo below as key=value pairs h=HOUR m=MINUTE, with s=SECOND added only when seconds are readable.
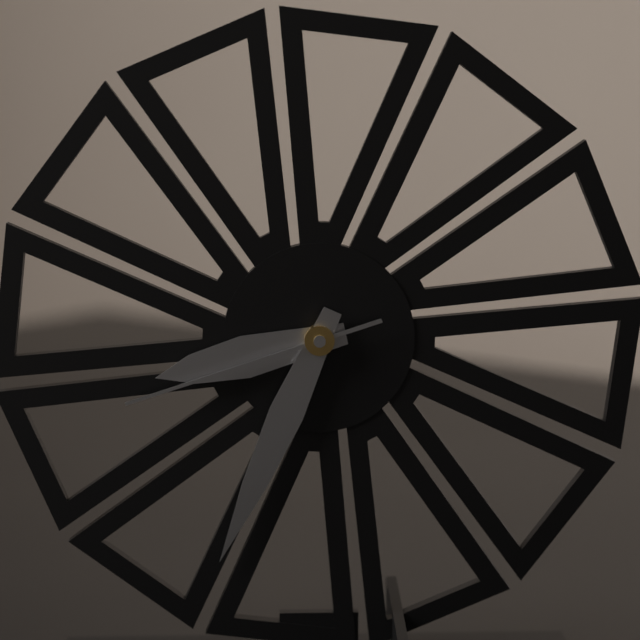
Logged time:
h=8 m=34 s=42
